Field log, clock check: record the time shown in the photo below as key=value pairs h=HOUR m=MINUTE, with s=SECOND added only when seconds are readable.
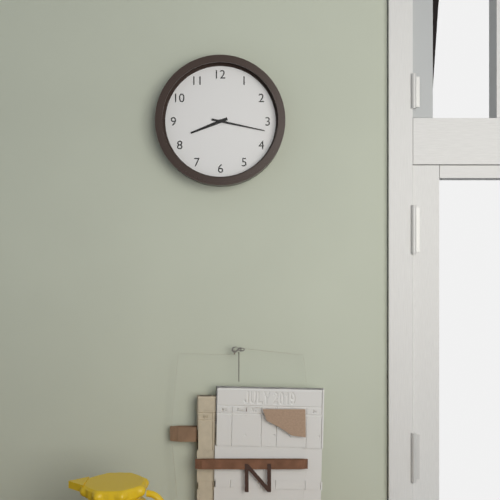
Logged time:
h=8 m=17
